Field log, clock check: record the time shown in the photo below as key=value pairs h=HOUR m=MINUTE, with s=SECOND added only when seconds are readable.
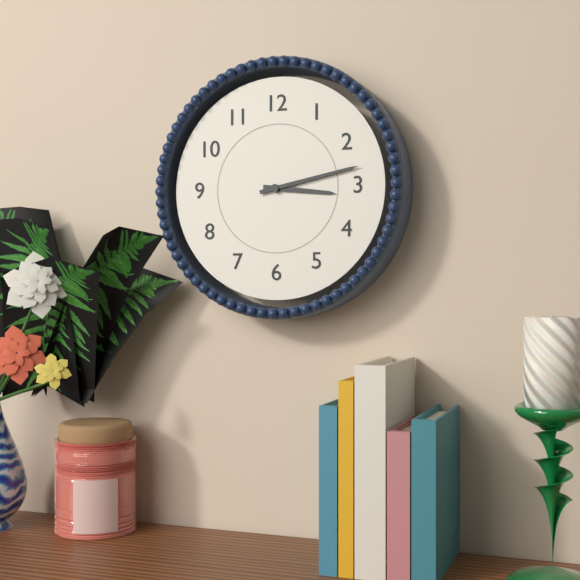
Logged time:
h=3 m=13
